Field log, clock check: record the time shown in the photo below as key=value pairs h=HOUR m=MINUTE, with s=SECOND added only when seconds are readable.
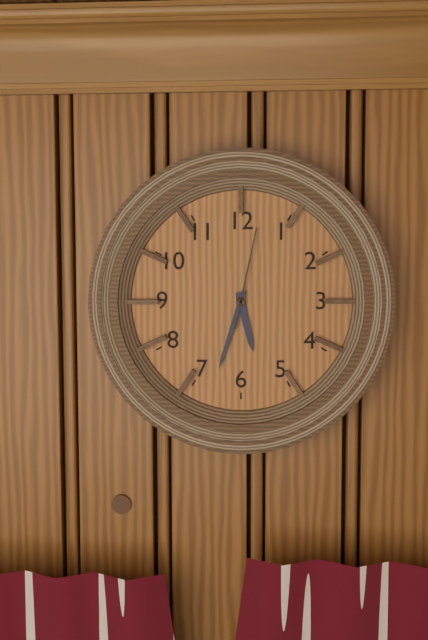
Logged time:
h=5 m=33 s=2
